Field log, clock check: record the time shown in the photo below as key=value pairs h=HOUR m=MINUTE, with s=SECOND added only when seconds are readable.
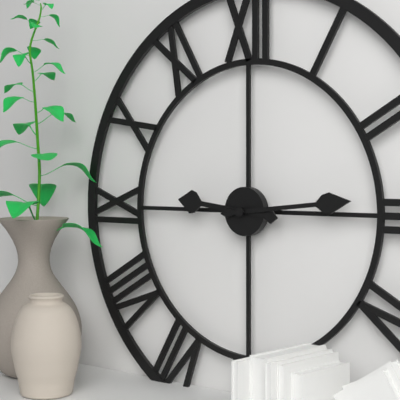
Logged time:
h=9 m=14
